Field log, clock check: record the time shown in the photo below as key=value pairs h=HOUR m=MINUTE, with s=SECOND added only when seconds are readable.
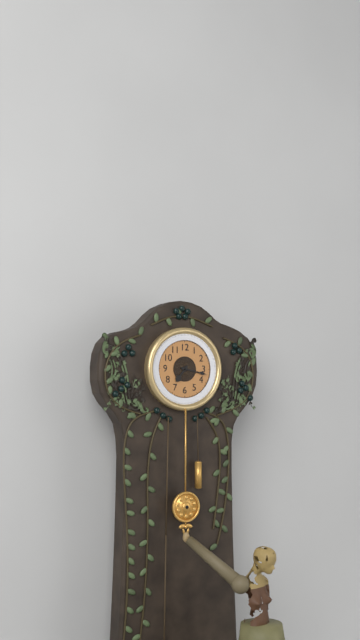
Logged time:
h=7 m=17
